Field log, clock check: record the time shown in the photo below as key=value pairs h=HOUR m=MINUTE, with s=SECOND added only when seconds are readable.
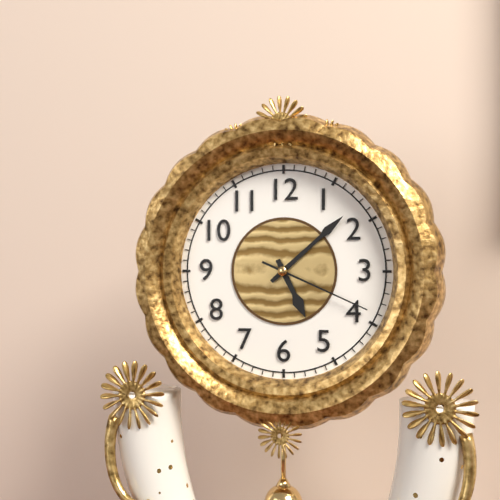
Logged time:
h=5 m=8 s=19
